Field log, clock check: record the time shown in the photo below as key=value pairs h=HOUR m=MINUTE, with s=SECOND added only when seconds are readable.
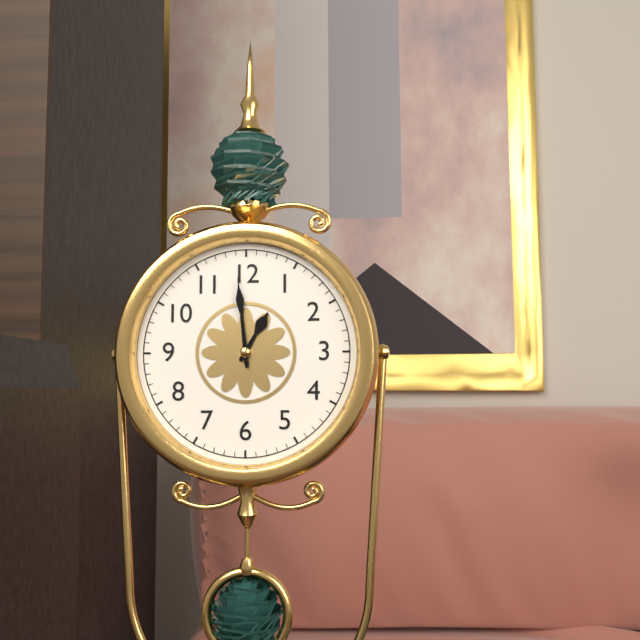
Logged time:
h=12 m=59
